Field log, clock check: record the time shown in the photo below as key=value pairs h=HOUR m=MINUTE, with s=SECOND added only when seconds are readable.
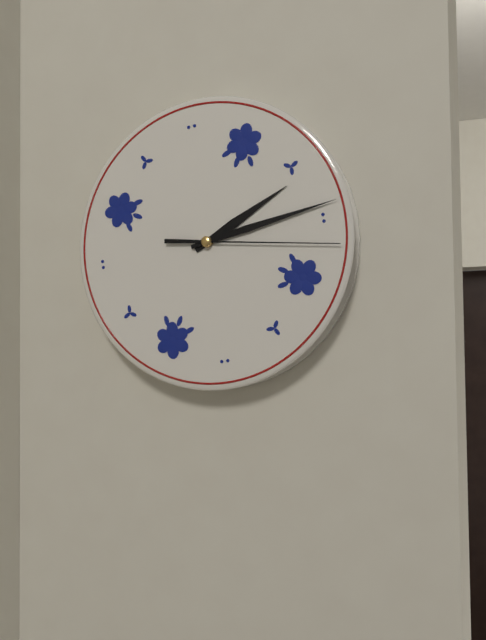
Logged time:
h=2 m=14 s=17
